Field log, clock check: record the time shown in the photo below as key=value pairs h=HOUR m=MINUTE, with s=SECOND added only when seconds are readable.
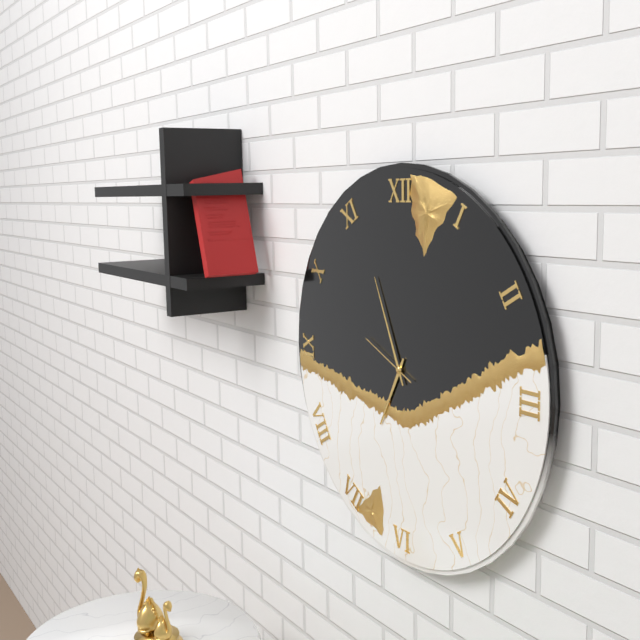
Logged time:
h=6 m=56 s=49
